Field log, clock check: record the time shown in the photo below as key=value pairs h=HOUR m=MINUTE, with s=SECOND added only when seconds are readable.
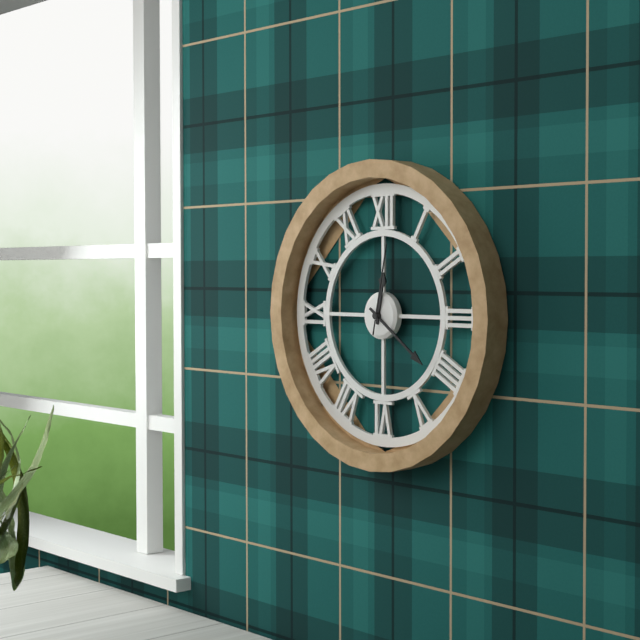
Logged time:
h=12 m=21 s=2
